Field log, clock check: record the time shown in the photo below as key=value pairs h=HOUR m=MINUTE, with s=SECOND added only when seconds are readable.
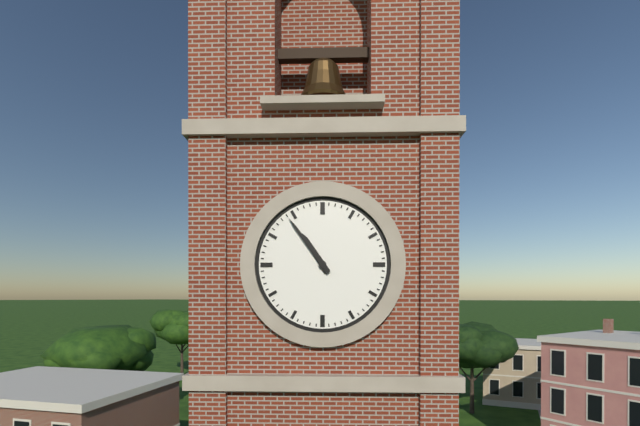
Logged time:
h=10 m=54
